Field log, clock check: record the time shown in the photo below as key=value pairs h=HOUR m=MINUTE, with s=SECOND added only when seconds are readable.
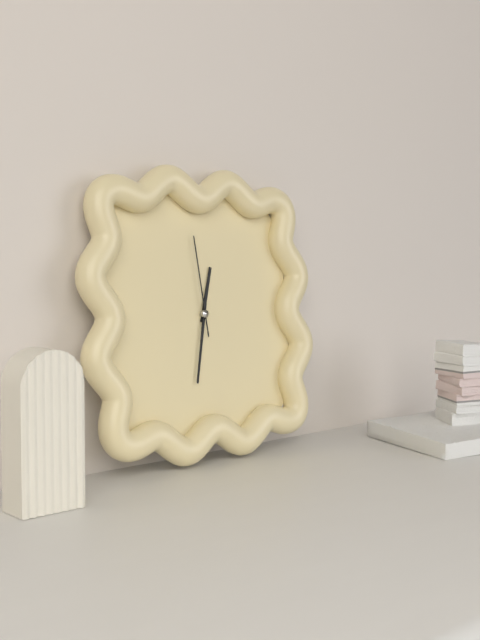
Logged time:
h=12 m=32 s=59
